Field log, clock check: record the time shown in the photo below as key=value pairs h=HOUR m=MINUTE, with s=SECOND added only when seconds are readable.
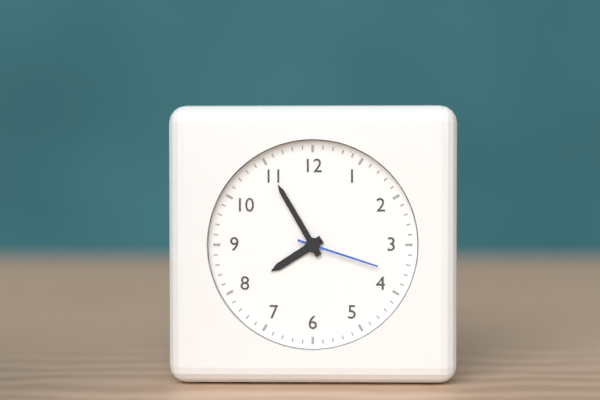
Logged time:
h=7 m=55 s=18
